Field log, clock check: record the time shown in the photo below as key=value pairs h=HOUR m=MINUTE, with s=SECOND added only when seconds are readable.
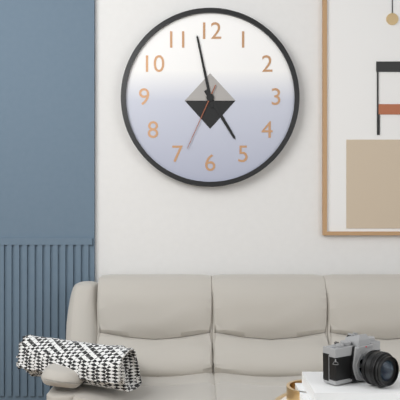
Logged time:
h=4 m=58 s=34
